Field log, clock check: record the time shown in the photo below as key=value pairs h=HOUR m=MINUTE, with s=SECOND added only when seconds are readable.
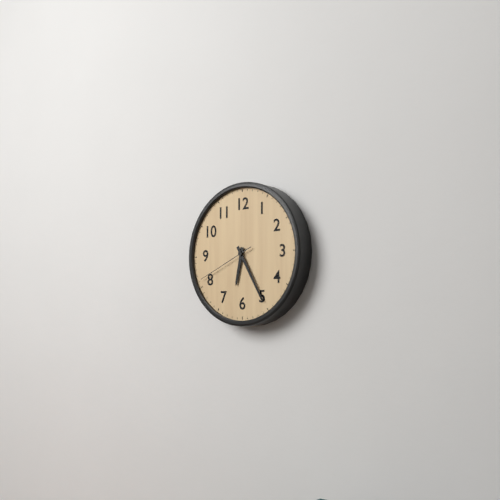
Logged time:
h=6 m=25 s=41
